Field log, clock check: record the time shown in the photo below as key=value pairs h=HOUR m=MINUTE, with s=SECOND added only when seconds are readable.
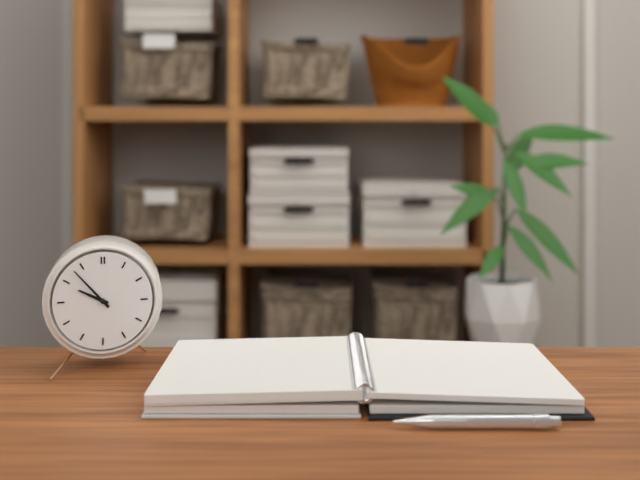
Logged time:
h=9 m=53
